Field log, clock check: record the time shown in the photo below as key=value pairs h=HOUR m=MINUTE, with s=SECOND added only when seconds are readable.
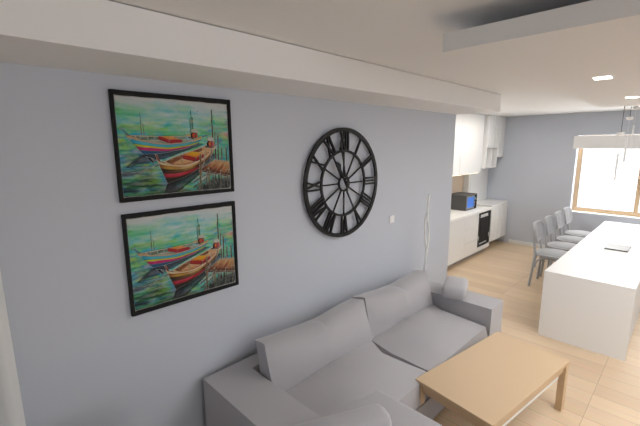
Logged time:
h=10 m=58
